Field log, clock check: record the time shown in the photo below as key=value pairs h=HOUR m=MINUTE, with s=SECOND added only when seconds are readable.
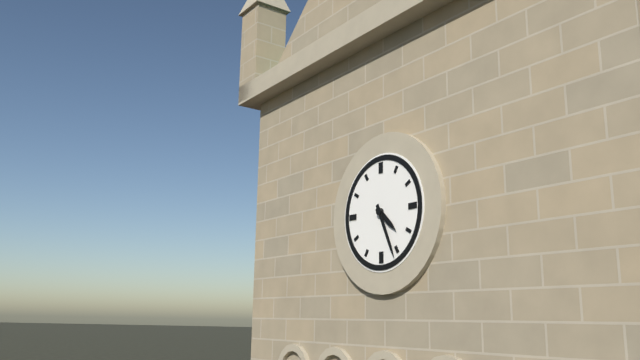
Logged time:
h=4 m=26
